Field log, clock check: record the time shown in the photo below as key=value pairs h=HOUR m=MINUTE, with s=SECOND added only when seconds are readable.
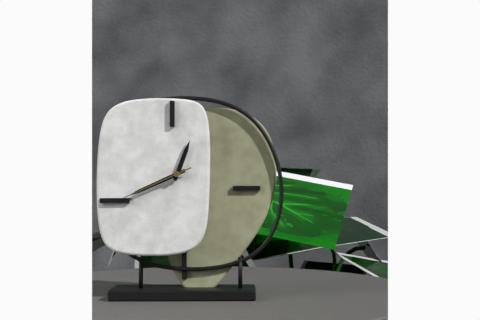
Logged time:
h=12 m=41 s=41
